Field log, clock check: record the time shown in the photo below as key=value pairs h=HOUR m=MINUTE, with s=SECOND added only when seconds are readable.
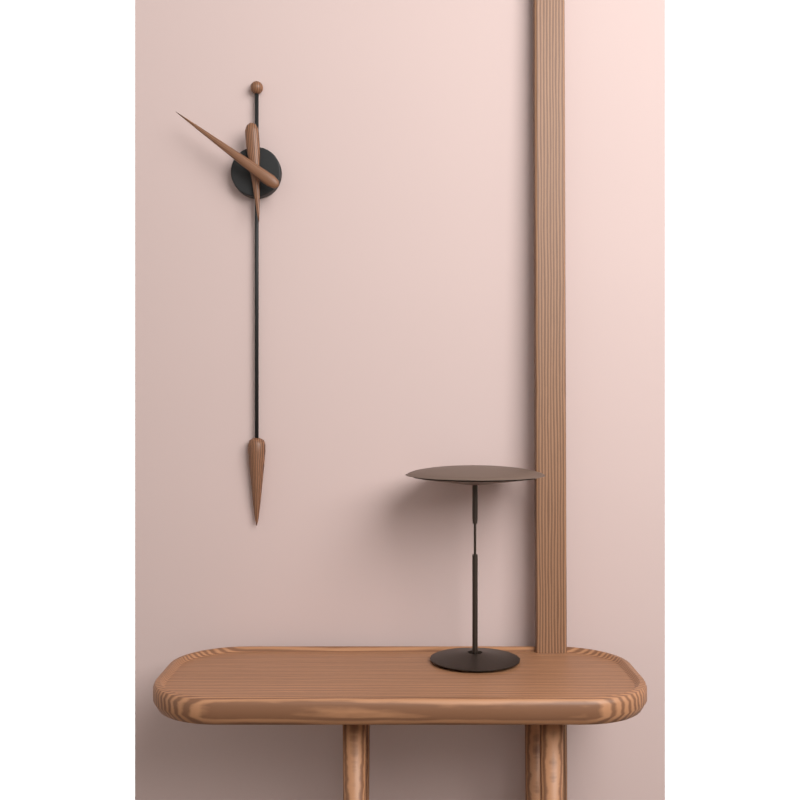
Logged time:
h=5 m=51
